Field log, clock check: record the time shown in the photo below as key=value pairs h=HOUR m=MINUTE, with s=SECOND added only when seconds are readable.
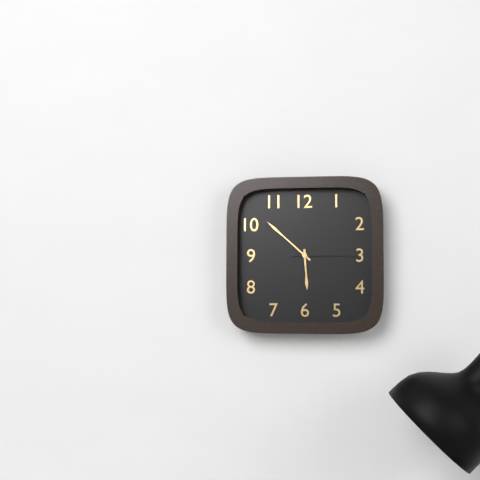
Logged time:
h=5 m=52 s=15
